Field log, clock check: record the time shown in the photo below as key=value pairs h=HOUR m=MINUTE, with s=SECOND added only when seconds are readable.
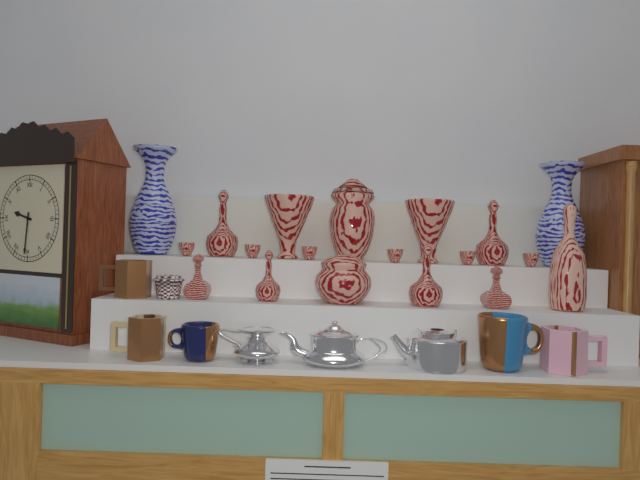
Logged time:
h=9 m=31
